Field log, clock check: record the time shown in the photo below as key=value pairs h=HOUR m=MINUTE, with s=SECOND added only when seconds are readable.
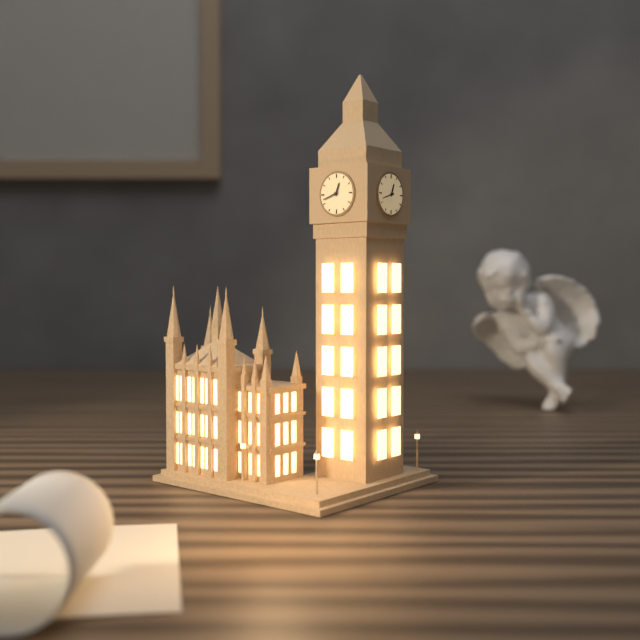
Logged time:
h=12 m=42
